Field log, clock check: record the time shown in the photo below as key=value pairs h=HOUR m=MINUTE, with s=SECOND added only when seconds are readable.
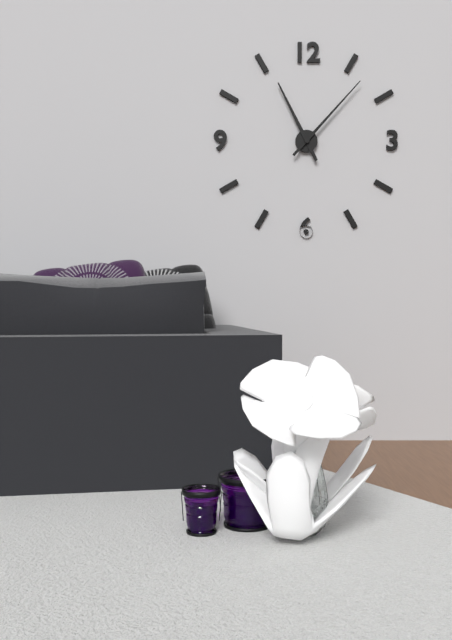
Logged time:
h=11 m=7
